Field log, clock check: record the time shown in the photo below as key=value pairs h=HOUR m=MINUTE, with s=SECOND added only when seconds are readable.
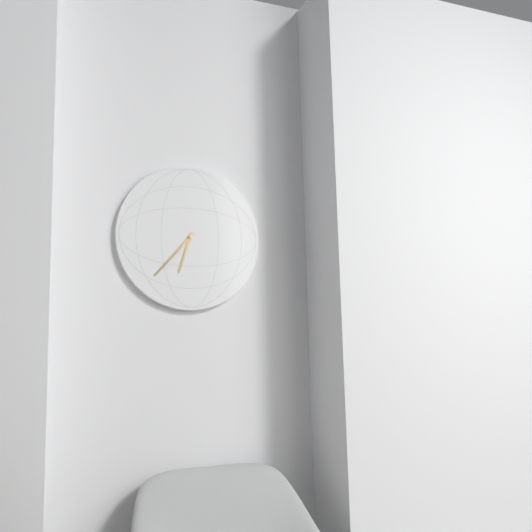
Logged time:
h=6 m=37
